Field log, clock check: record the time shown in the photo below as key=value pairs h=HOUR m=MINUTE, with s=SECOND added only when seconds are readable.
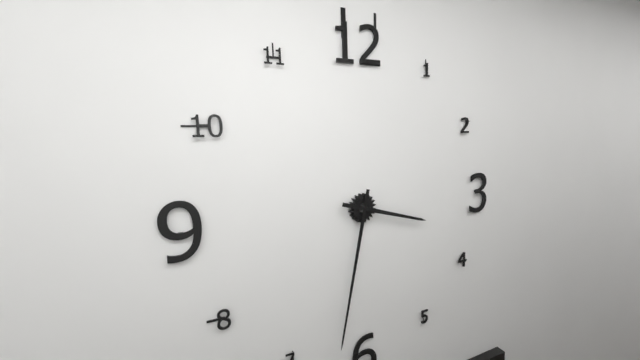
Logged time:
h=3 m=32
